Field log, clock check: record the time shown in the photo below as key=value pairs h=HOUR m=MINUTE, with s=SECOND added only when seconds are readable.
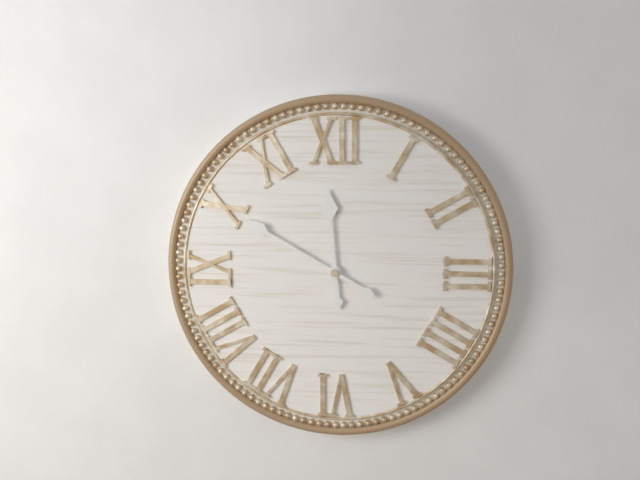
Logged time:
h=11 m=50
